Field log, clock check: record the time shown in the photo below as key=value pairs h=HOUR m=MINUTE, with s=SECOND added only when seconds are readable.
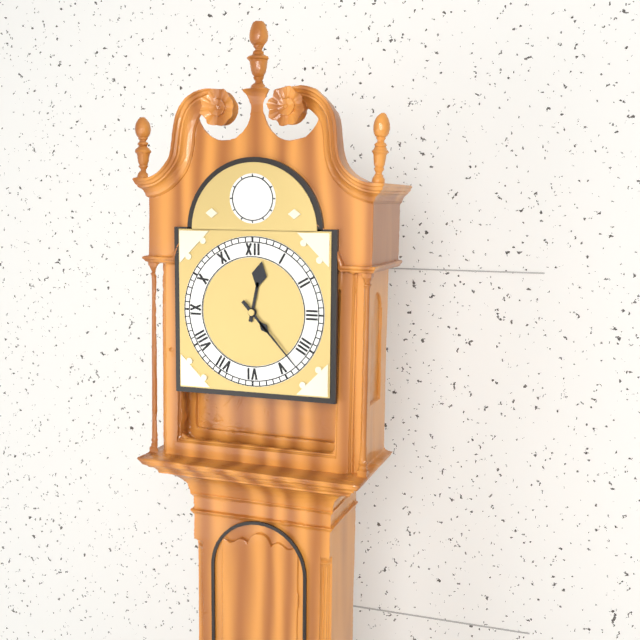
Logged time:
h=12 m=23
